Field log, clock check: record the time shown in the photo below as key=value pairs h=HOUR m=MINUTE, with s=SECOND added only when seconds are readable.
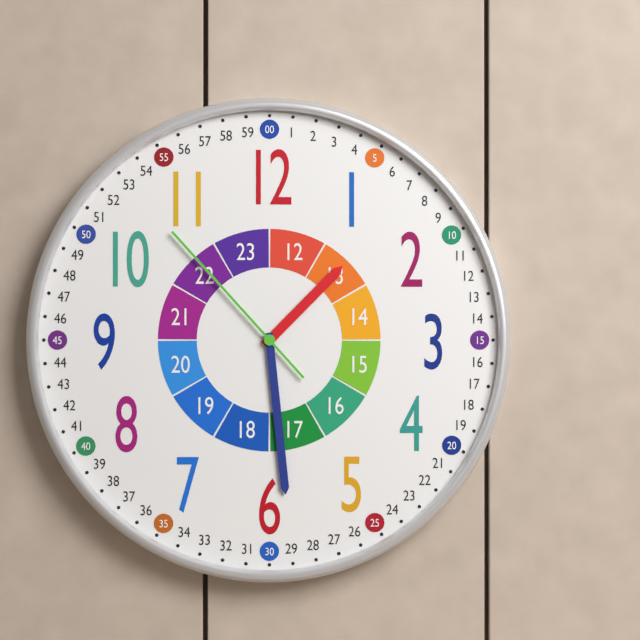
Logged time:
h=1 m=29 s=53
